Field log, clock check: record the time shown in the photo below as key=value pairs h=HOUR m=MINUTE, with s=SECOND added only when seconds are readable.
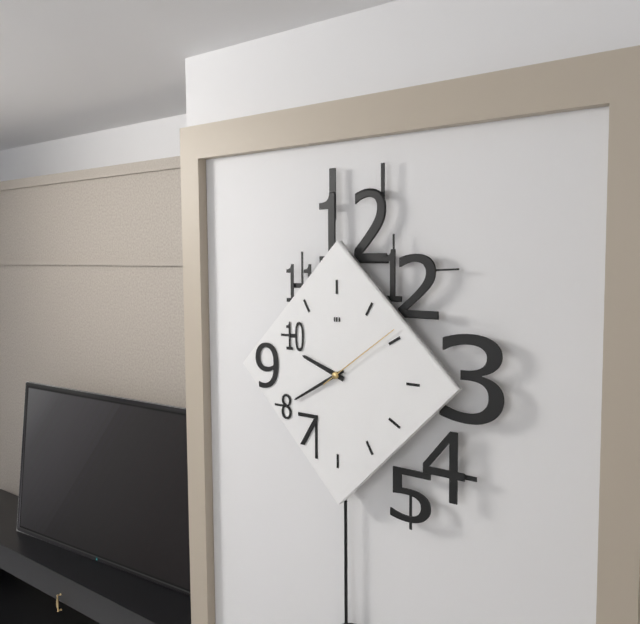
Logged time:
h=9 m=40 s=9
